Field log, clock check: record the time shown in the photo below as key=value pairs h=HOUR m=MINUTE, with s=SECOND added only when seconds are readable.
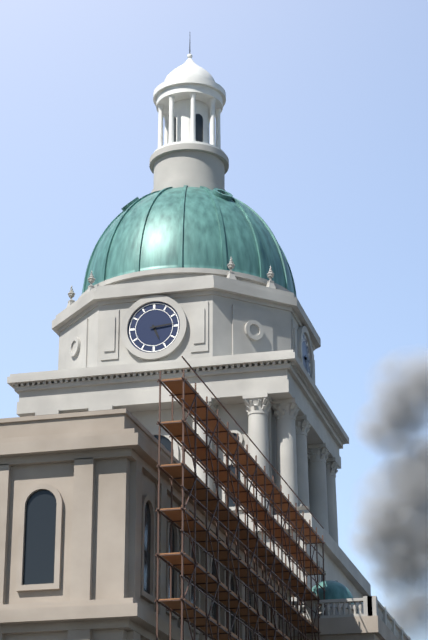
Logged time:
h=5 m=14
